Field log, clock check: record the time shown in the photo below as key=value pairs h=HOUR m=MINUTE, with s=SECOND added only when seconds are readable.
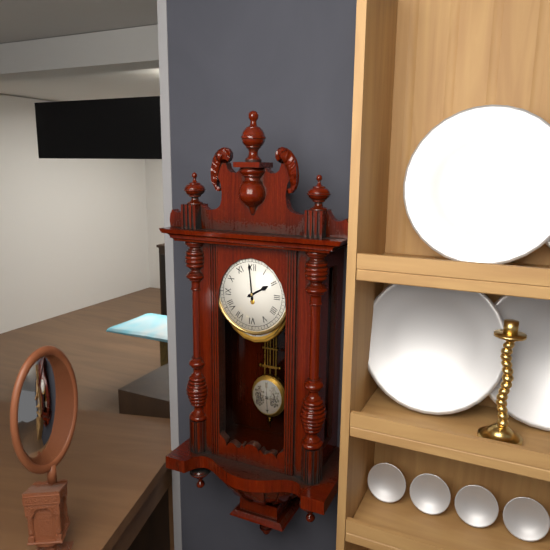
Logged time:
h=1 m=59
